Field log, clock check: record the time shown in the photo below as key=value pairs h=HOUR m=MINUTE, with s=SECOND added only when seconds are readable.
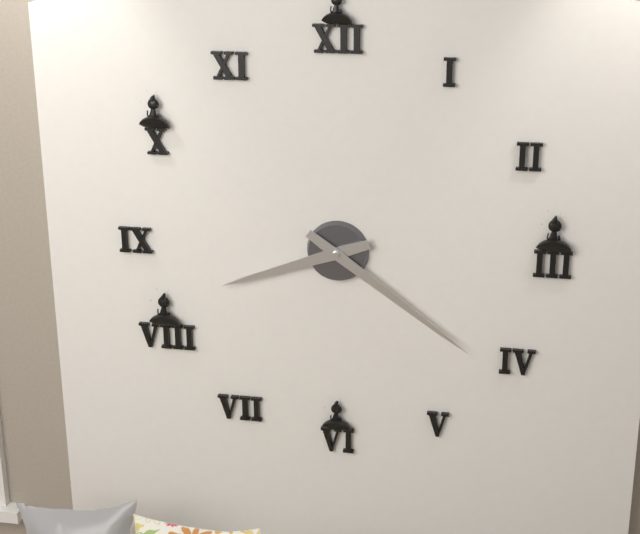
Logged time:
h=8 m=21
